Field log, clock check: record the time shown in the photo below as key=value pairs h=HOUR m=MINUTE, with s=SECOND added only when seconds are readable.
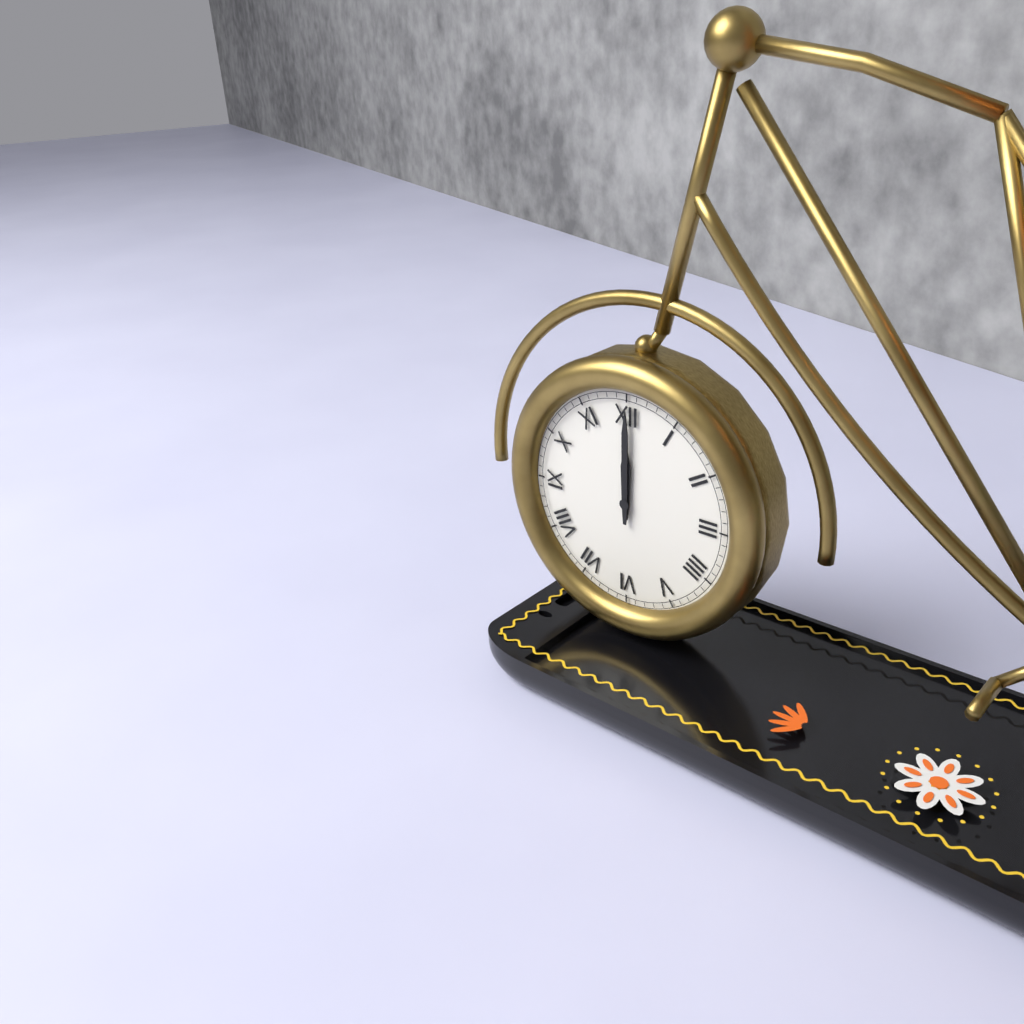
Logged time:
h=12 m=0
